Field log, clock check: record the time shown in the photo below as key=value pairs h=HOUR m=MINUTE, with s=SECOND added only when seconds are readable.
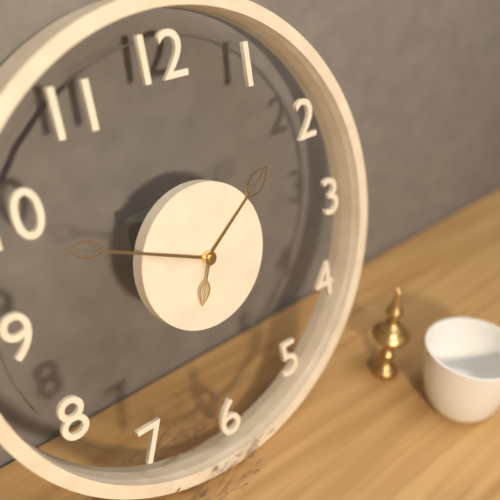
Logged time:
h=1 m=49 s=34
